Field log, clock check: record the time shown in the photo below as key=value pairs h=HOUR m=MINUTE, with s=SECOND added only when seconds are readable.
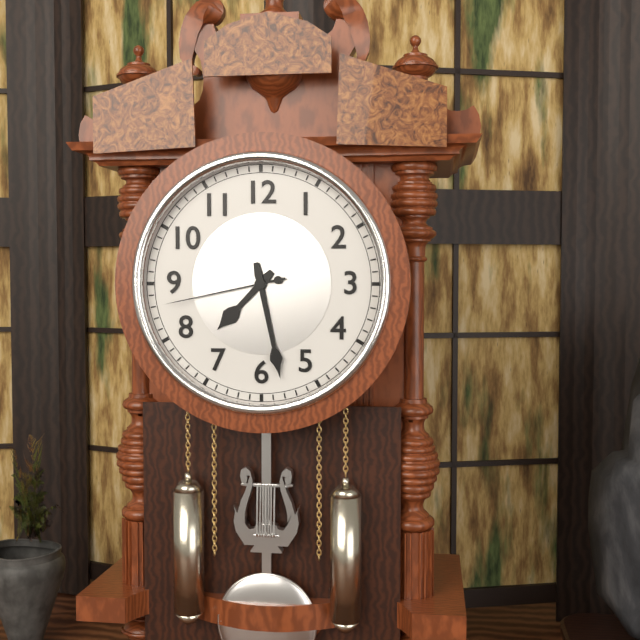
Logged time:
h=7 m=28 s=43
